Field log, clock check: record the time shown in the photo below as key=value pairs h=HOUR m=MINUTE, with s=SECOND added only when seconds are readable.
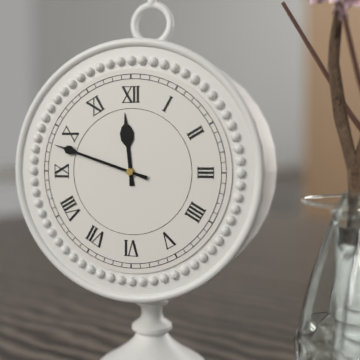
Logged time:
h=11 m=48
